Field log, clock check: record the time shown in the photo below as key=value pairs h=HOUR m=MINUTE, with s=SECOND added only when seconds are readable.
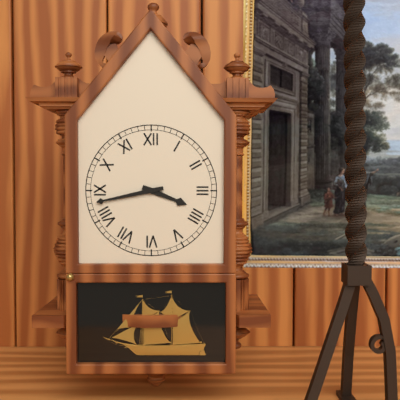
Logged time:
h=3 m=43
